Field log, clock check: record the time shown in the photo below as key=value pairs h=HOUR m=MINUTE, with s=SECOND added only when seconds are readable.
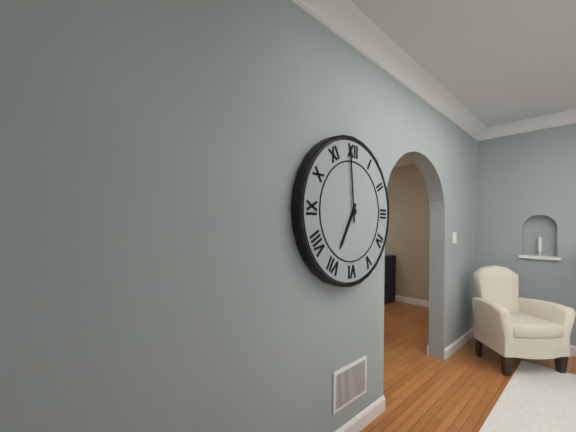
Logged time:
h=6 m=59
